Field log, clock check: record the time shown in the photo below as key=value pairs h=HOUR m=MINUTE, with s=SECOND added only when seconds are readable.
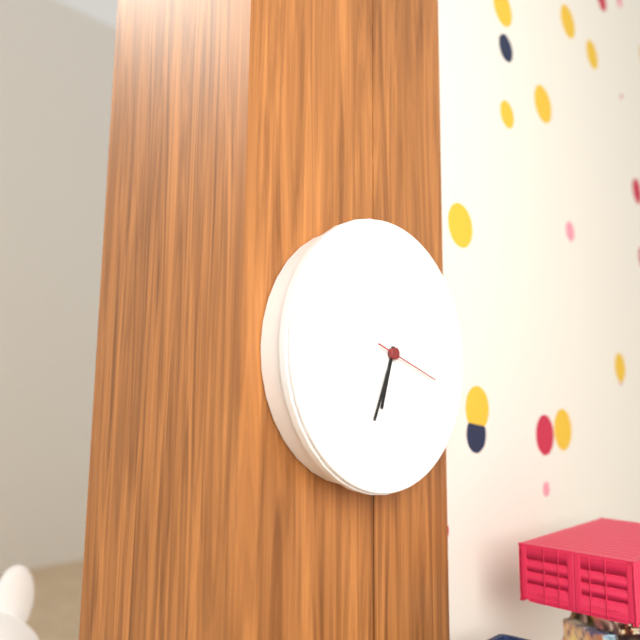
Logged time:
h=6 m=34 s=18
